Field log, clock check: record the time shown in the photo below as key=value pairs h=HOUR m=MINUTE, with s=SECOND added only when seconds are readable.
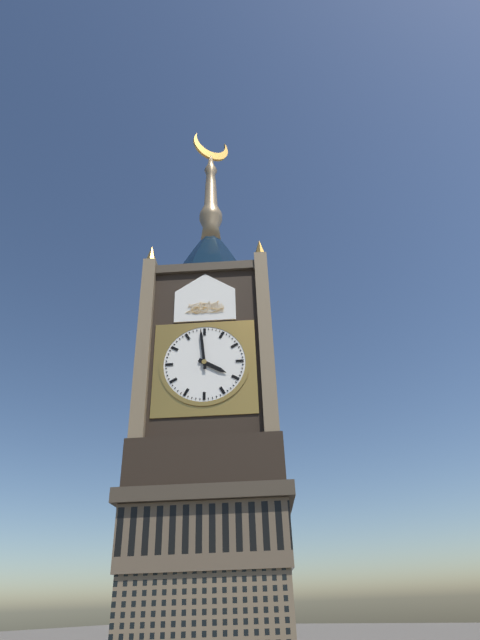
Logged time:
h=3 m=59
